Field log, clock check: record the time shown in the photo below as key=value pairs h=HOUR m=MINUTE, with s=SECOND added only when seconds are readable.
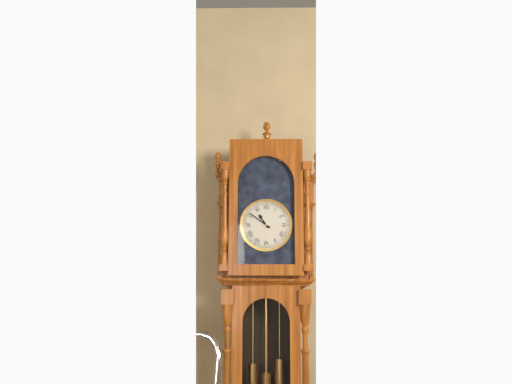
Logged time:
h=10 m=51
